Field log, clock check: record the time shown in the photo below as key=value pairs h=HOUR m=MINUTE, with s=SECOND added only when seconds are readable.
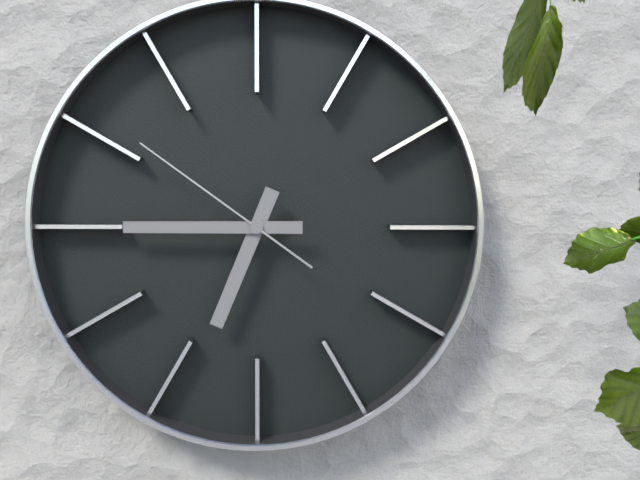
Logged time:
h=6 m=45 s=51
